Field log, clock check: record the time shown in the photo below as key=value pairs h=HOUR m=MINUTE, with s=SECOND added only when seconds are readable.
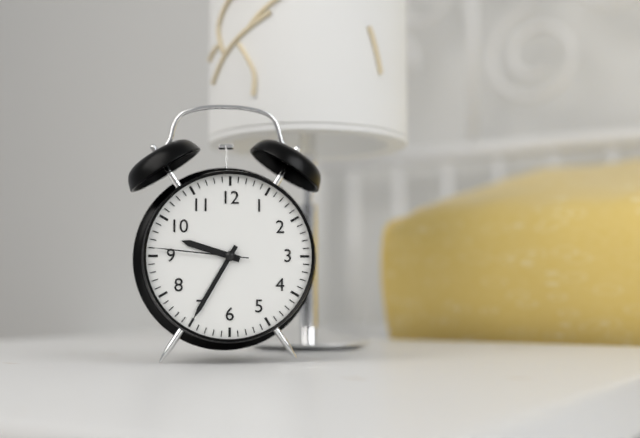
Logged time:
h=9 m=35 s=46
